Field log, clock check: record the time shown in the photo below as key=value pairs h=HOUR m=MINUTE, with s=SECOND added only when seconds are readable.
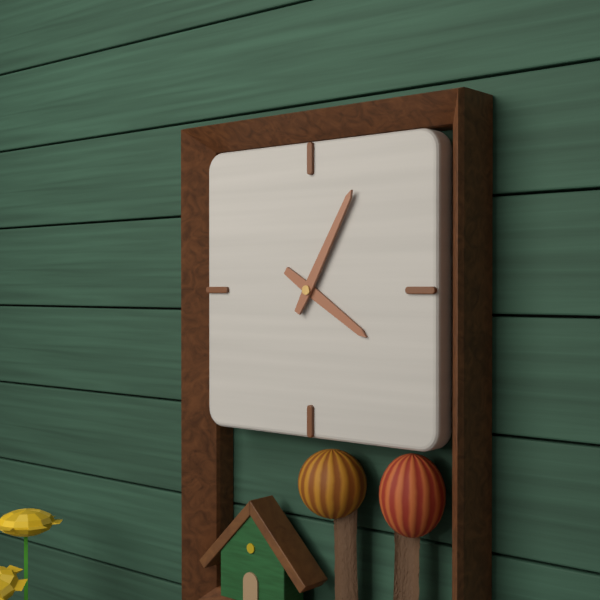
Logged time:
h=4 m=5
